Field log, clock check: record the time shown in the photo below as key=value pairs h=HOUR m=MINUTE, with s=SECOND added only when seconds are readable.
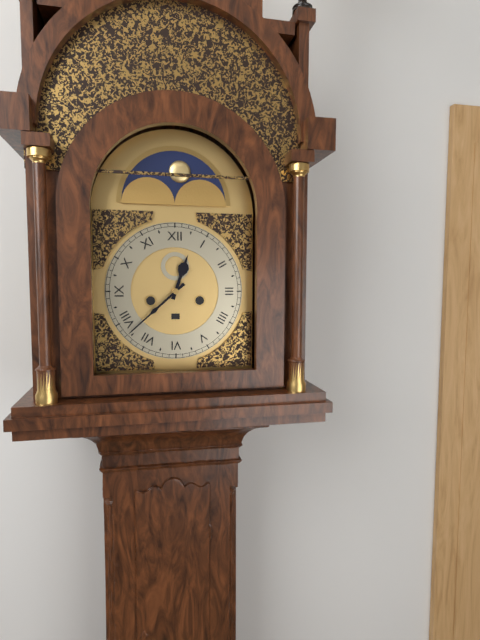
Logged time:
h=12 m=38
